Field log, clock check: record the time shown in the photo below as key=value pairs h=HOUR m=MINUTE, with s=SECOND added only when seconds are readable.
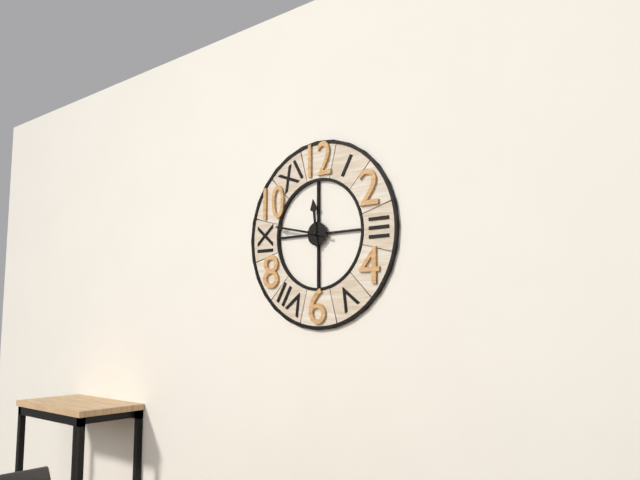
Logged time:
h=11 m=47
